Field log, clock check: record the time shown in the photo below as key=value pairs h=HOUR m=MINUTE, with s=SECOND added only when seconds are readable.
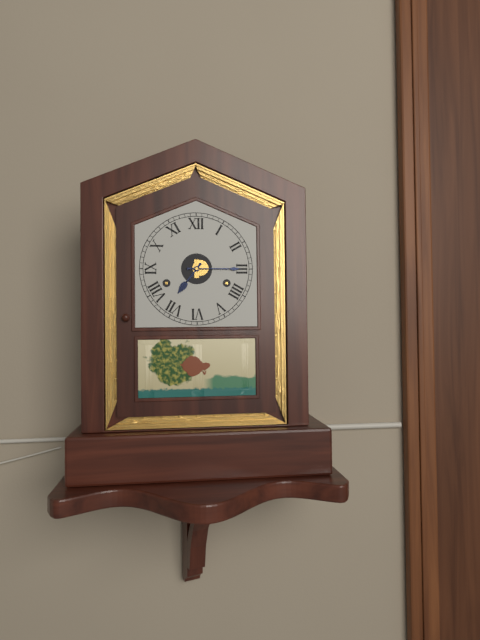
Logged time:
h=7 m=15
